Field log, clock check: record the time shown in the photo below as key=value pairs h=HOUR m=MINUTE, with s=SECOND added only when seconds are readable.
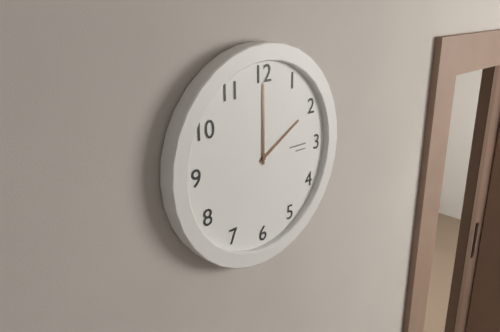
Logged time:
h=2 m=0
